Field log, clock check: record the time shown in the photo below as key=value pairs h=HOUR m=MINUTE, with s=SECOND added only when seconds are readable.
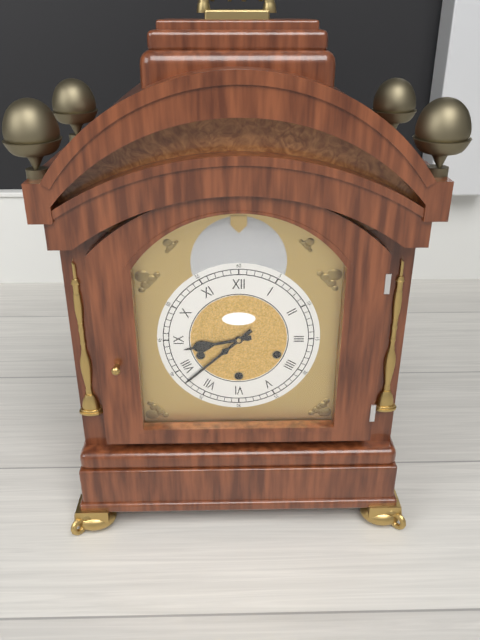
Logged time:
h=8 m=38
